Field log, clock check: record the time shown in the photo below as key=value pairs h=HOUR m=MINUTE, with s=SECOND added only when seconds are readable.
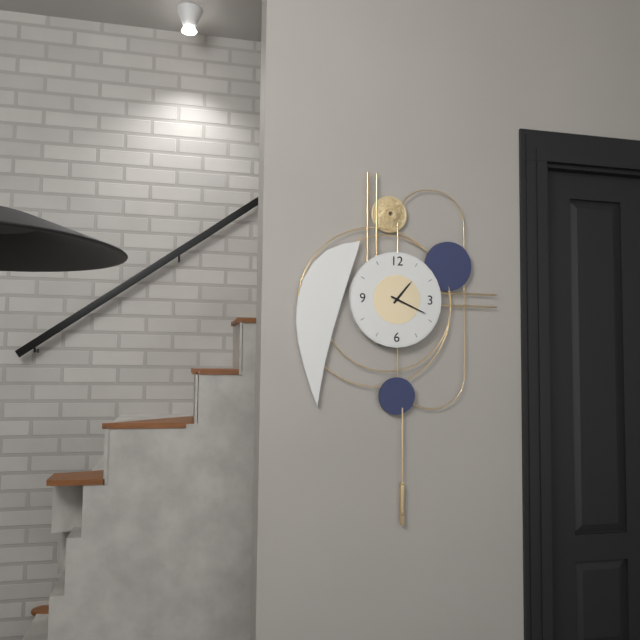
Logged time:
h=1 m=19
